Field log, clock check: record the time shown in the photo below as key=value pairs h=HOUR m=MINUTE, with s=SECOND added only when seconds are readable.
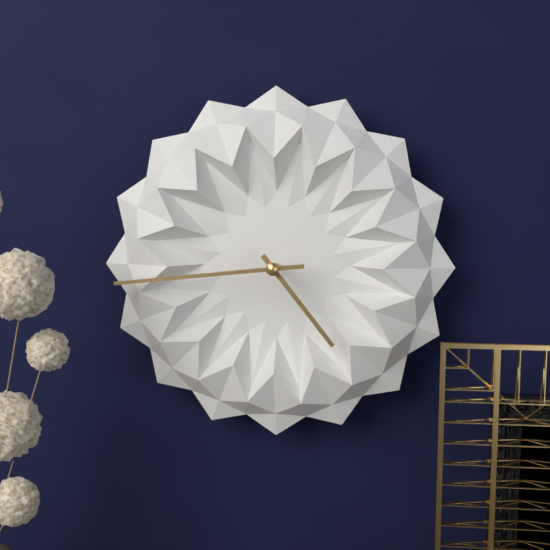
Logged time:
h=4 m=44
